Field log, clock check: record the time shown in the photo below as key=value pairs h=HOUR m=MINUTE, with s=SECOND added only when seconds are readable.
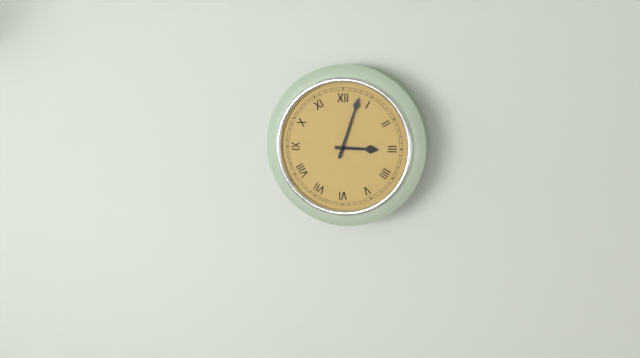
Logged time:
h=3 m=3
